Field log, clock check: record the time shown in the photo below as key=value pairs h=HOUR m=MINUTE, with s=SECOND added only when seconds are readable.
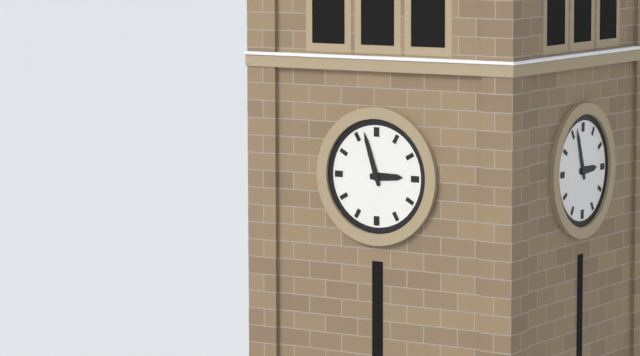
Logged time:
h=2 m=57
